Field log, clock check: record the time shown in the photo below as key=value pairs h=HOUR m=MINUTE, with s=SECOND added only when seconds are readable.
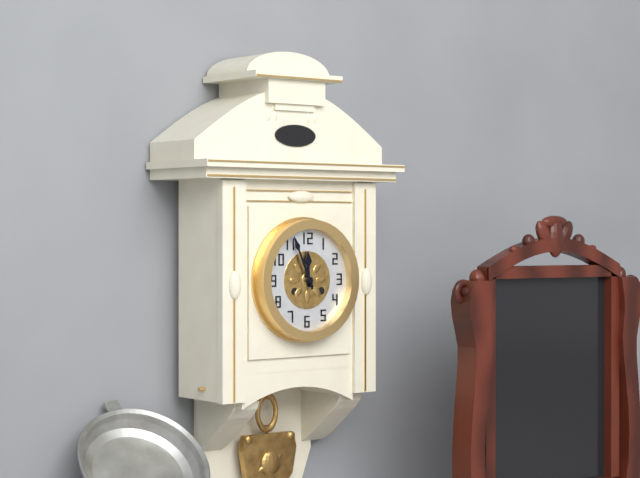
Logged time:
h=11 m=56
